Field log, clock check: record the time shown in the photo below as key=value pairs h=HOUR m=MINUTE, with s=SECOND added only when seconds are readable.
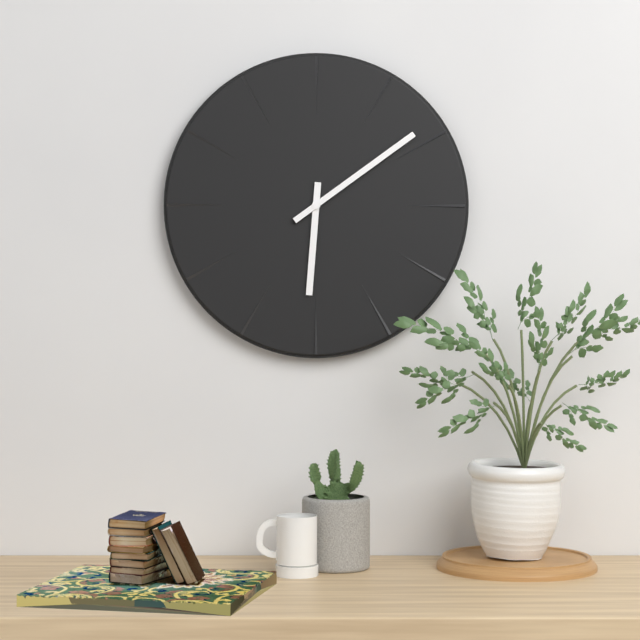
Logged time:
h=6 m=9
